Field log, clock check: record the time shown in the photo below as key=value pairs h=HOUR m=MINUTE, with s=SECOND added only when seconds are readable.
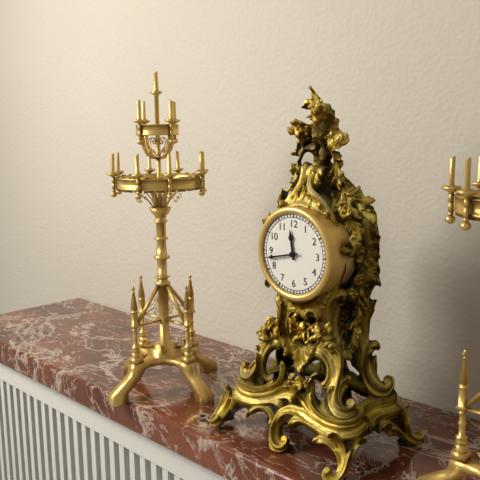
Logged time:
h=11 m=43
